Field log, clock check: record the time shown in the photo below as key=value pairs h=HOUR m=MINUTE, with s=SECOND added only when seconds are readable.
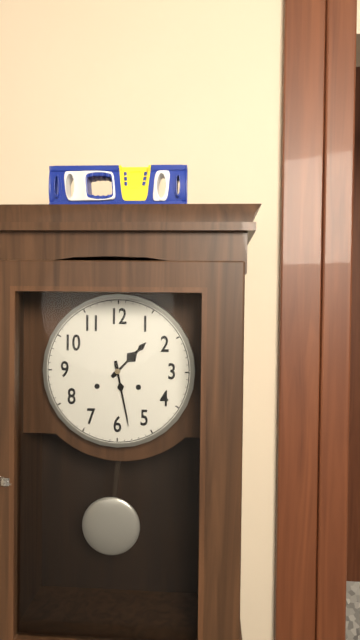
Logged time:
h=1 m=28
